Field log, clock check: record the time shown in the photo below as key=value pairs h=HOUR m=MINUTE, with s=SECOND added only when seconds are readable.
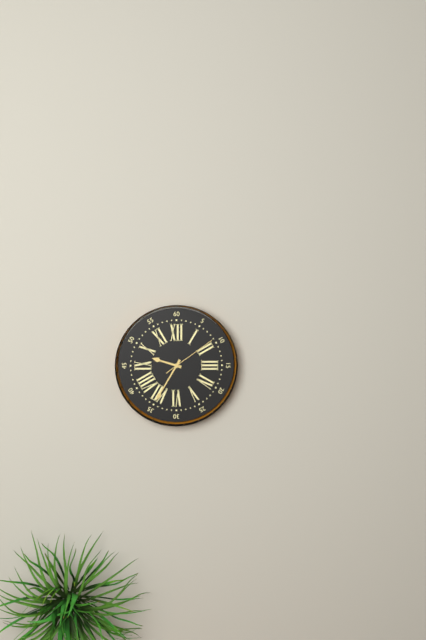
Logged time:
h=9 m=35 s=9
